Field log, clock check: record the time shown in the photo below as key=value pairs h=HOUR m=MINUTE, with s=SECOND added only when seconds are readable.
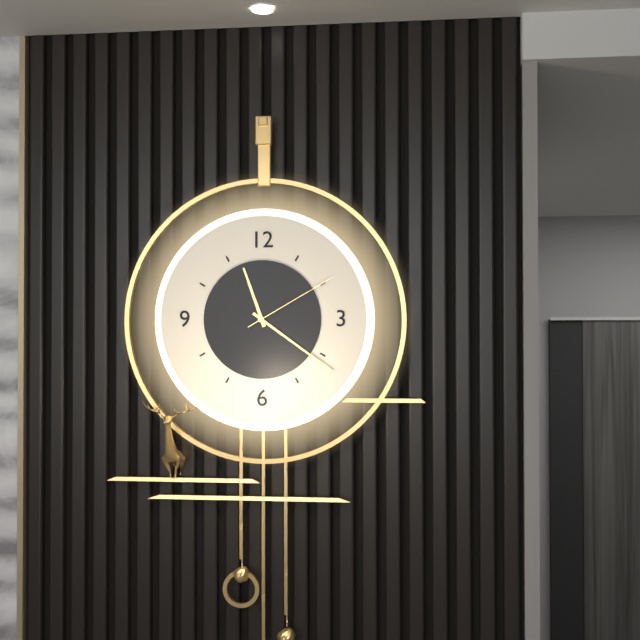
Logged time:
h=11 m=21 s=10
